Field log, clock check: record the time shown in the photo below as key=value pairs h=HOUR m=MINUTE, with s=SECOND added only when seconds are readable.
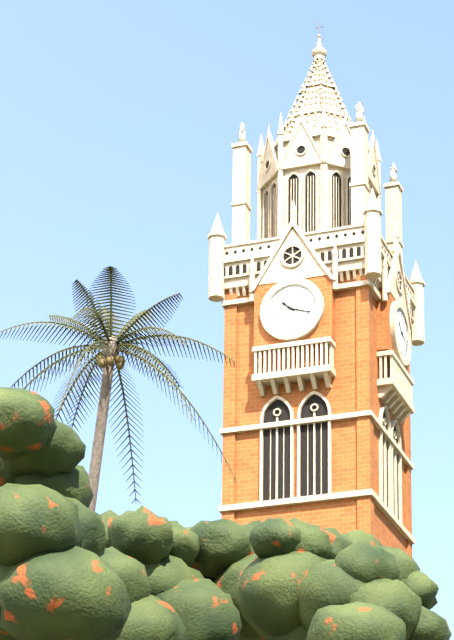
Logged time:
h=10 m=18
